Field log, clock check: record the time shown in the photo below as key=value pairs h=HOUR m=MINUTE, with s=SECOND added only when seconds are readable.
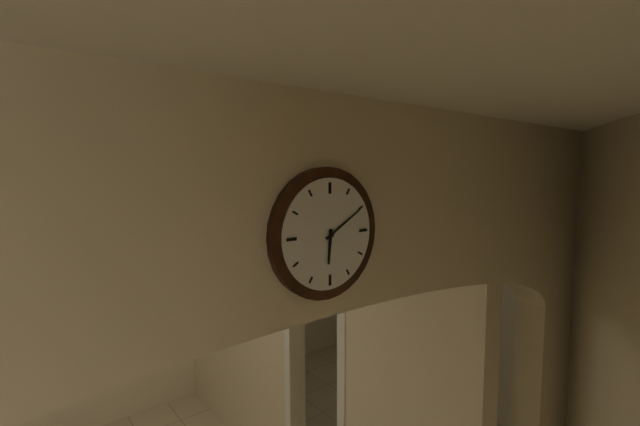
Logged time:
h=6 m=10
